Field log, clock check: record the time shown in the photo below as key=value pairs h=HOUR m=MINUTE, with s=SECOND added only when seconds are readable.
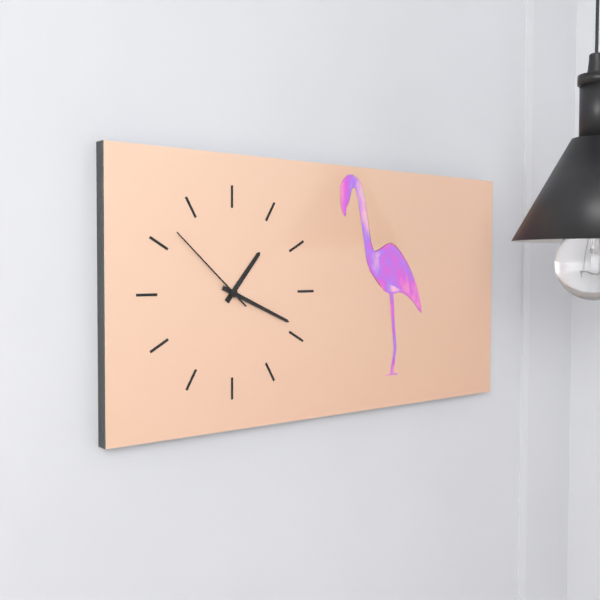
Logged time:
h=1 m=19 s=52
